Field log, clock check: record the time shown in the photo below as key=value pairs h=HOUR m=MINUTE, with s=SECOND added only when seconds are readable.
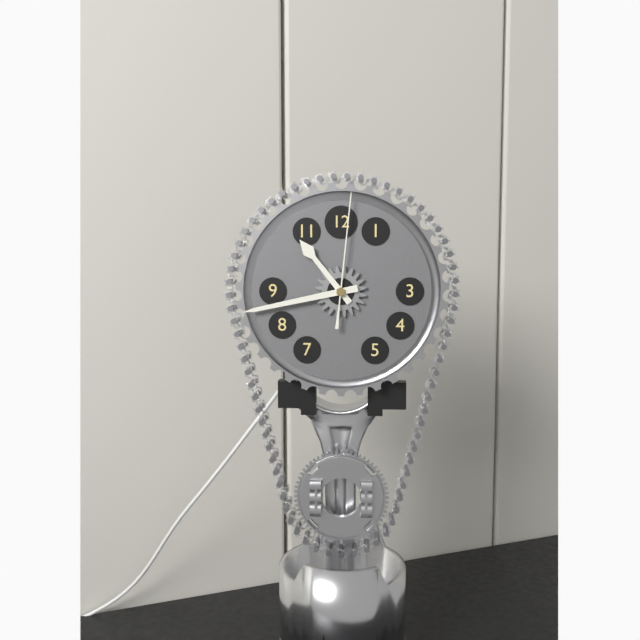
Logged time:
h=10 m=43 s=1
